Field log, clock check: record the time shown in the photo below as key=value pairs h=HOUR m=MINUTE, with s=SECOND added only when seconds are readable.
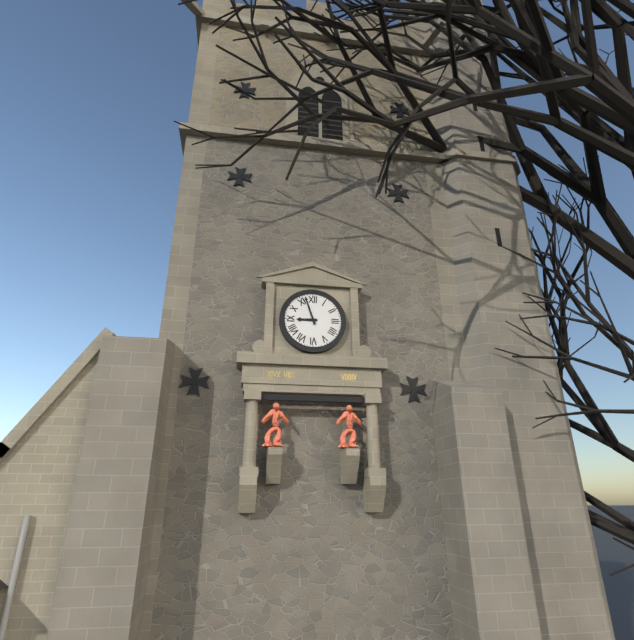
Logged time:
h=8 m=57
